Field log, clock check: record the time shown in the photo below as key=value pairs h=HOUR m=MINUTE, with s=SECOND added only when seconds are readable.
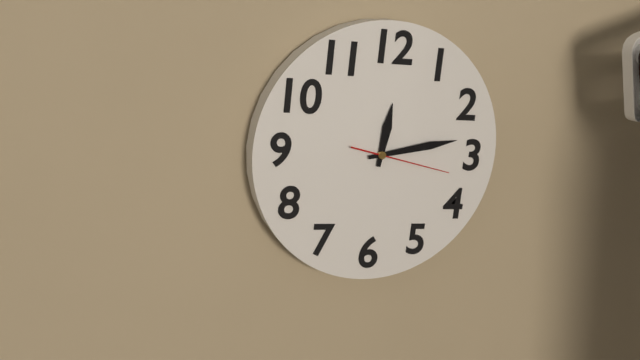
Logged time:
h=12 m=13 s=17
